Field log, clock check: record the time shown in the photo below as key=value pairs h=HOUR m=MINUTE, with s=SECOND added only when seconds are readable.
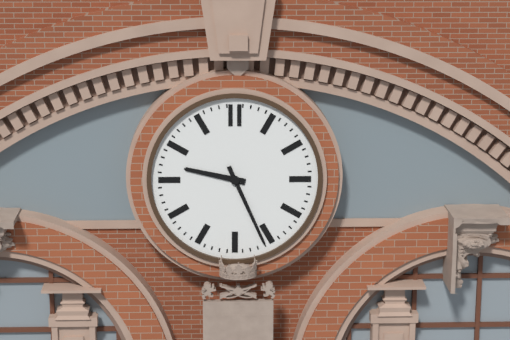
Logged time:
h=9 m=26
